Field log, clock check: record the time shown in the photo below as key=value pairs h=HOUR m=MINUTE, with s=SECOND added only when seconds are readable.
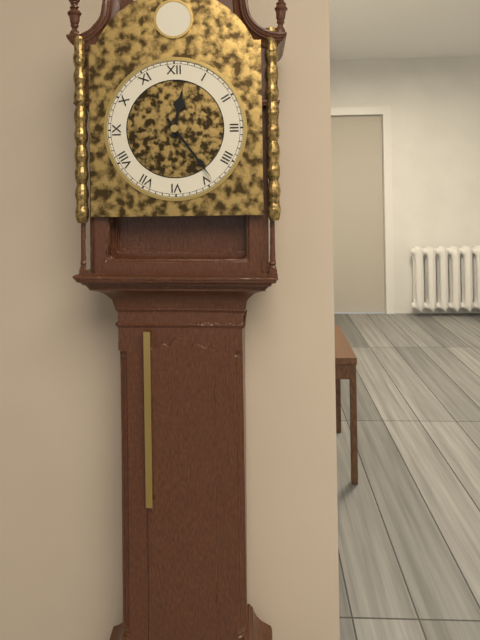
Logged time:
h=12 m=24
